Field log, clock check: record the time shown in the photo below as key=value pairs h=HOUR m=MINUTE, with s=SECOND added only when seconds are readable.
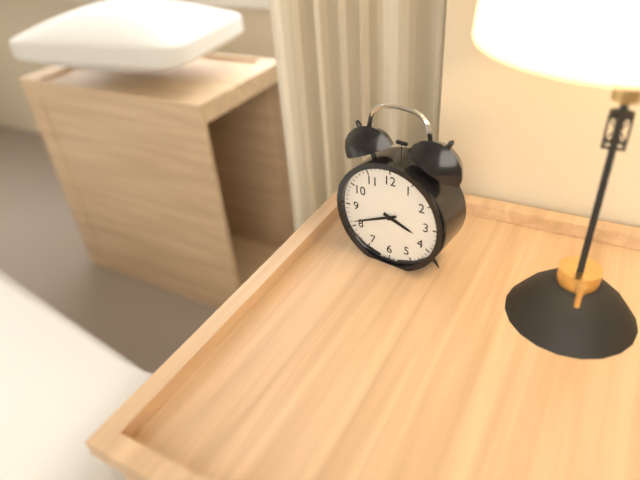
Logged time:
h=3 m=41
